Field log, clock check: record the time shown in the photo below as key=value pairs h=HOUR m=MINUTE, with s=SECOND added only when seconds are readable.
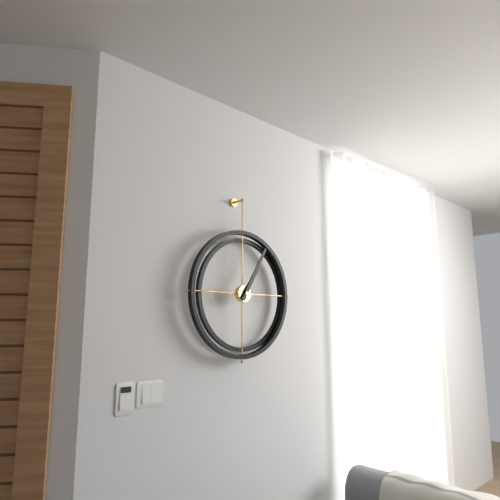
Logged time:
h=1 m=5
